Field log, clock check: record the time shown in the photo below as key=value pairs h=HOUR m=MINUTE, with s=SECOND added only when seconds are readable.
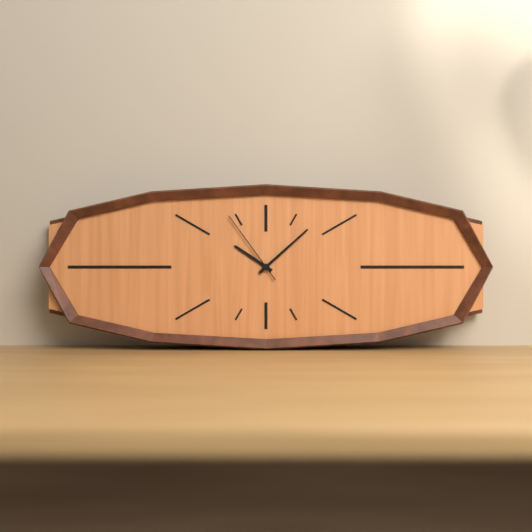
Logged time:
h=10 m=8 s=54
